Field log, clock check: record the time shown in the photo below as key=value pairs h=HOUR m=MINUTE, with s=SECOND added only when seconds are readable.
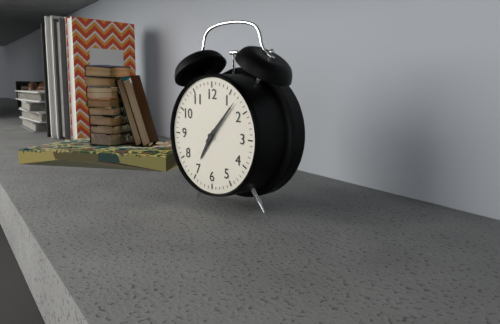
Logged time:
h=7 m=7
